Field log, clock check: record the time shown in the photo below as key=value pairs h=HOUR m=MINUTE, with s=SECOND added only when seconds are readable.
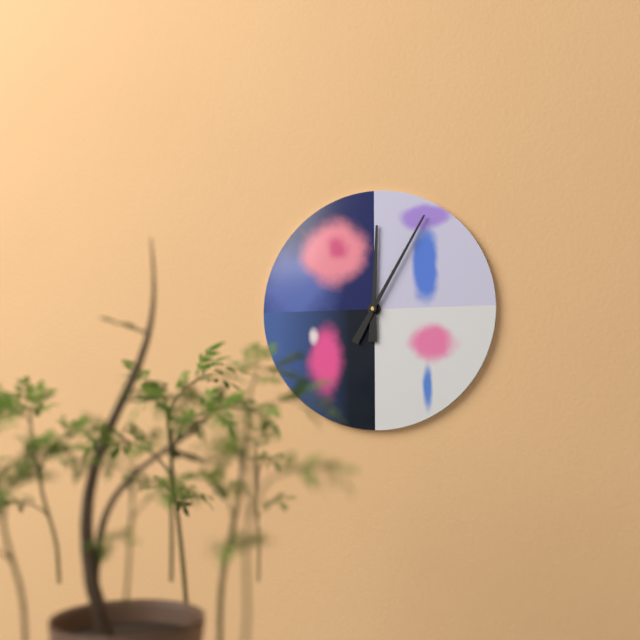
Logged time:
h=12 m=5
